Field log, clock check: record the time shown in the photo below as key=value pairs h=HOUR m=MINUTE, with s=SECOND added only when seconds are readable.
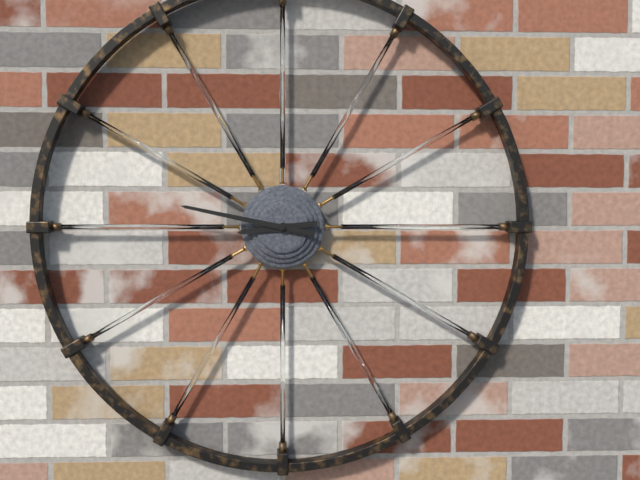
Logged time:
h=8 m=47
